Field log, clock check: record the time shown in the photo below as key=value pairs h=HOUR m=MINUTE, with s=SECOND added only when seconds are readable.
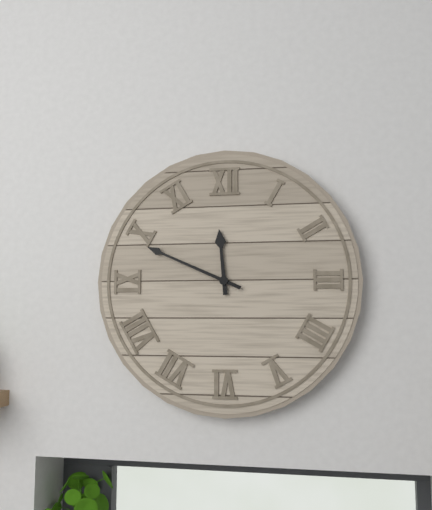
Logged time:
h=11 m=49
